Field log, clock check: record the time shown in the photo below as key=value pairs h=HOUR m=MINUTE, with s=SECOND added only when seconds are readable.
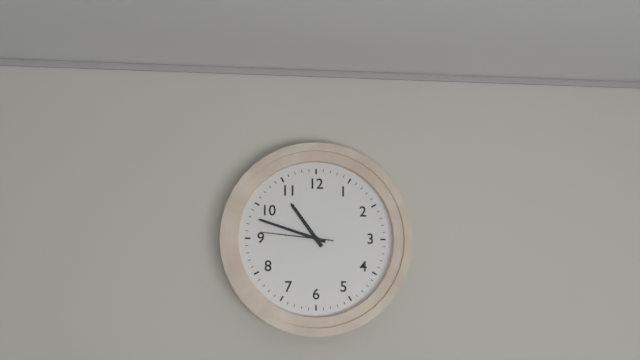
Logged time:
h=10 m=48 s=46
